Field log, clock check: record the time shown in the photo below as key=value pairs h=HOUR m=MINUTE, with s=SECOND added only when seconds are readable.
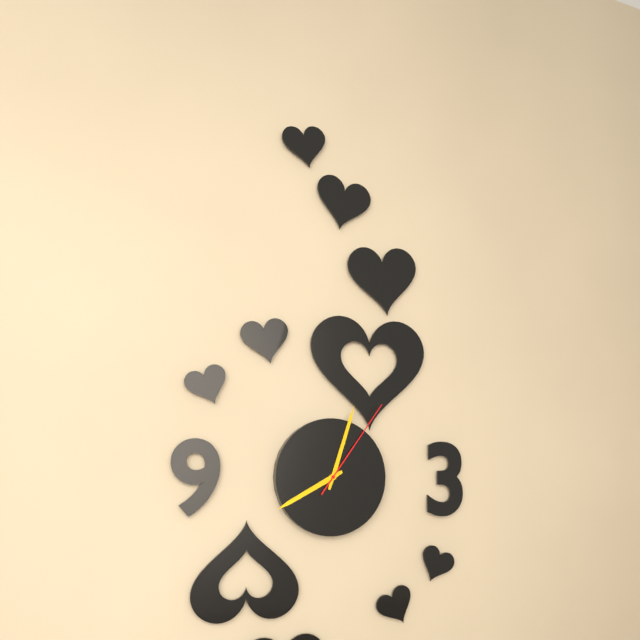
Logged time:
h=8 m=3 s=6
